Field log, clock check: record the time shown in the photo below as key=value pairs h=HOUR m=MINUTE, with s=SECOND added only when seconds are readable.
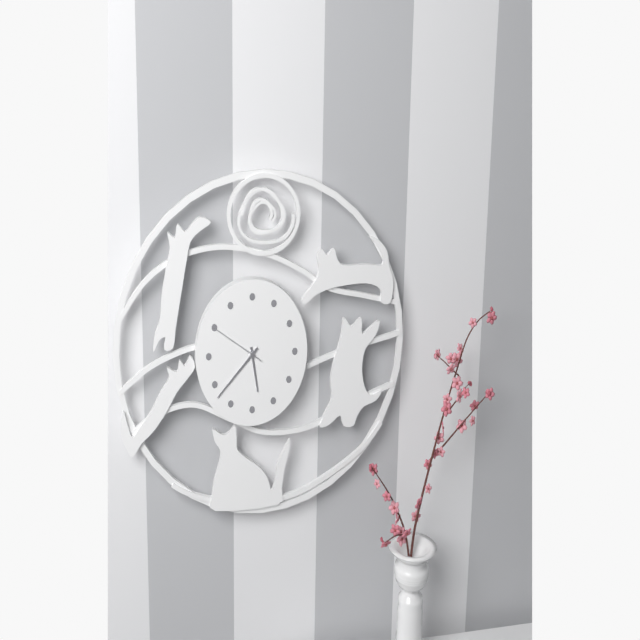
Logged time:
h=5 m=38 s=50
